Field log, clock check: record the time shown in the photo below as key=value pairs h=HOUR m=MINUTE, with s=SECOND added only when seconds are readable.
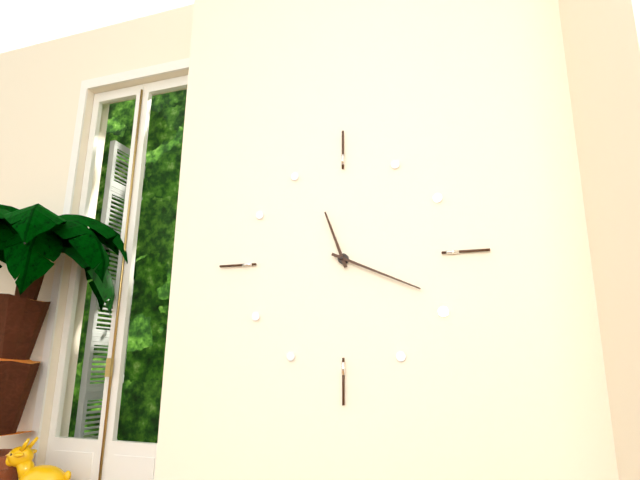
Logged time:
h=11 m=19
